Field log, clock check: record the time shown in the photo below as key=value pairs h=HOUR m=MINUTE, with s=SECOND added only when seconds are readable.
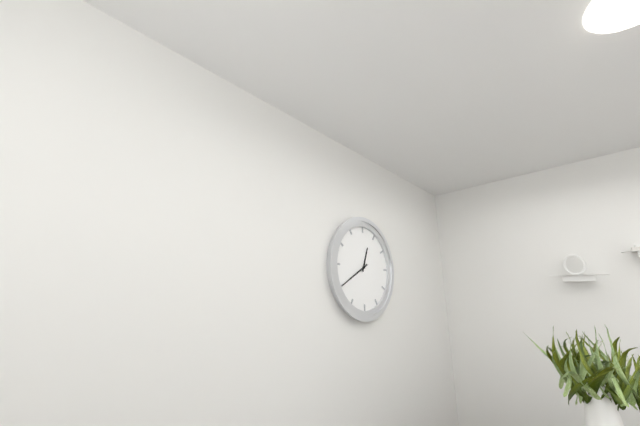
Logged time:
h=12 m=40
